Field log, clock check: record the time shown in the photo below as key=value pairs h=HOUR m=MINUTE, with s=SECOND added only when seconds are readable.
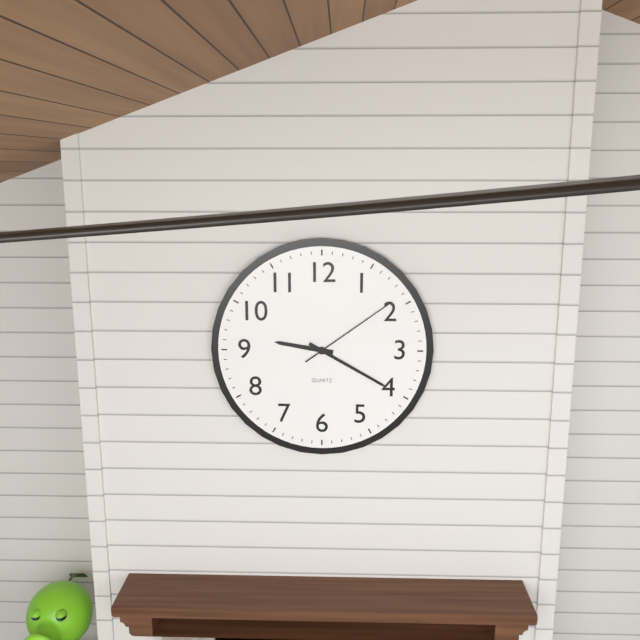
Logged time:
h=9 m=20 s=9
